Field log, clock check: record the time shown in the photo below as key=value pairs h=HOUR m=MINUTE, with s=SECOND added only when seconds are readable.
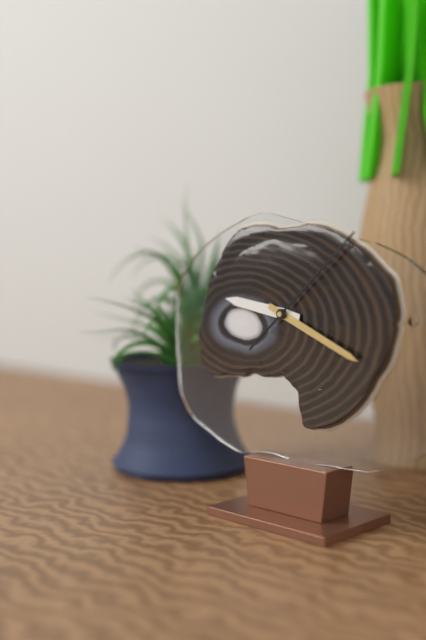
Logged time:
h=9 m=19 s=8
